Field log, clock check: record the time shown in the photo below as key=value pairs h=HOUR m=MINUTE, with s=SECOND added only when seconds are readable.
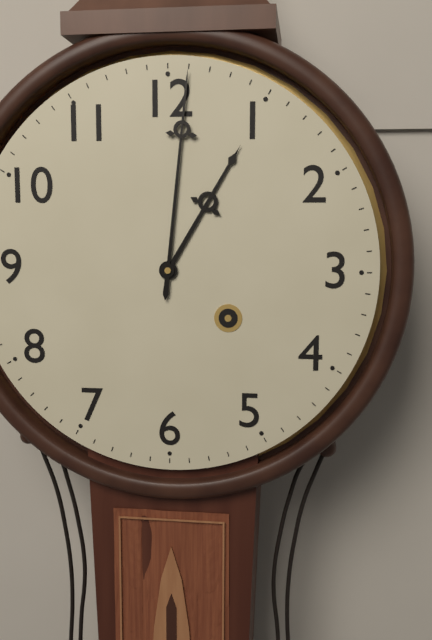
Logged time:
h=1 m=1
